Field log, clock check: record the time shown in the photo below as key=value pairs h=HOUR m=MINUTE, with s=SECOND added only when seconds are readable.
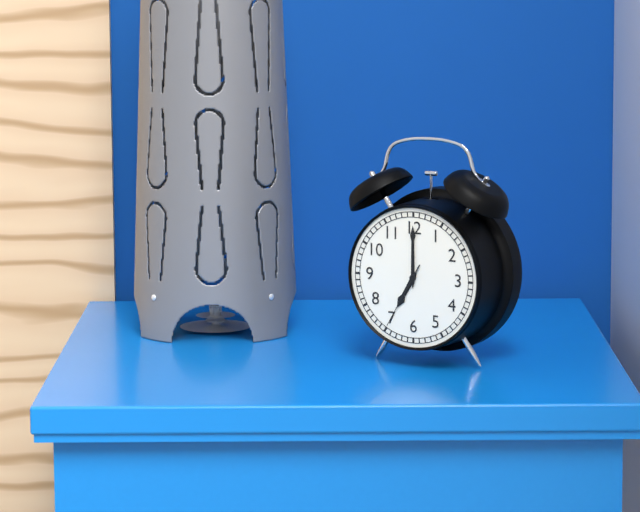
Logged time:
h=7 m=0 s=35
